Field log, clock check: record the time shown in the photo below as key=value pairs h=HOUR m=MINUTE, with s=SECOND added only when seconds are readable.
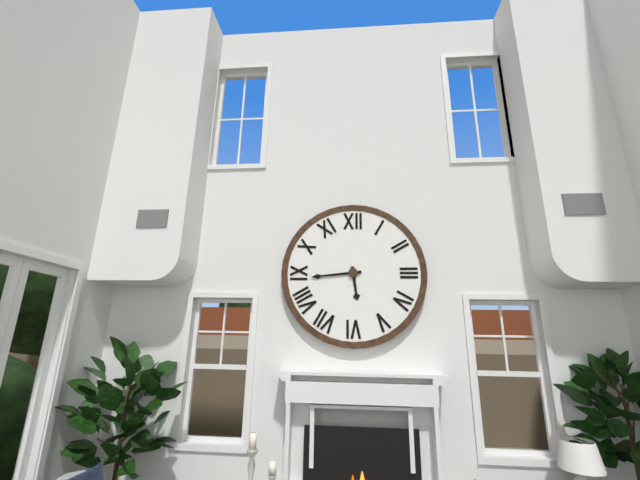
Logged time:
h=5 m=44
